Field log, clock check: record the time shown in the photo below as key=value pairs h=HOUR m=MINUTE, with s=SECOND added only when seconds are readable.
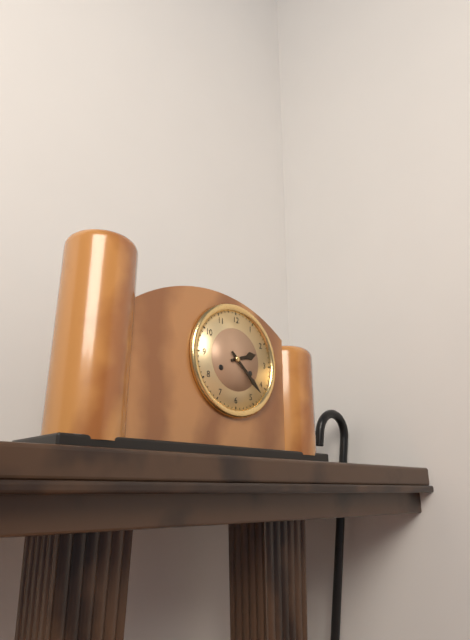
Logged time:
h=2 m=22
